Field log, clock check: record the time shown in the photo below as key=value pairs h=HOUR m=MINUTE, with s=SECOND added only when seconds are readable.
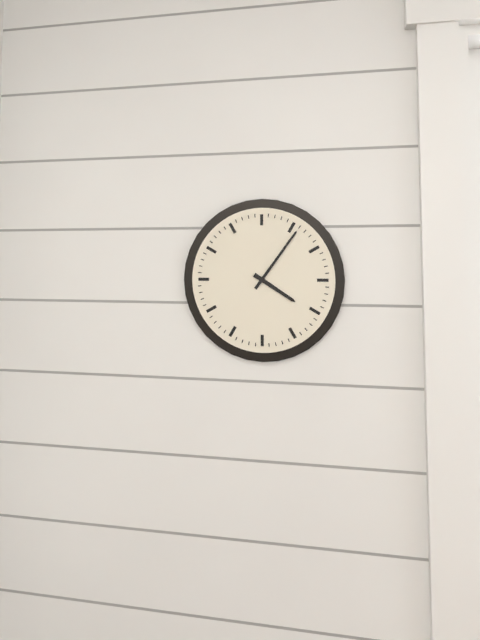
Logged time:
h=4 m=6
